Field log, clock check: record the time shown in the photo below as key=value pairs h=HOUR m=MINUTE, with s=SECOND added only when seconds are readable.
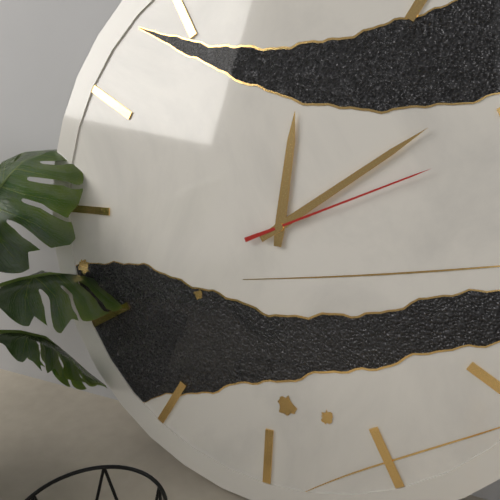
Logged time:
h=12 m=9 s=11
